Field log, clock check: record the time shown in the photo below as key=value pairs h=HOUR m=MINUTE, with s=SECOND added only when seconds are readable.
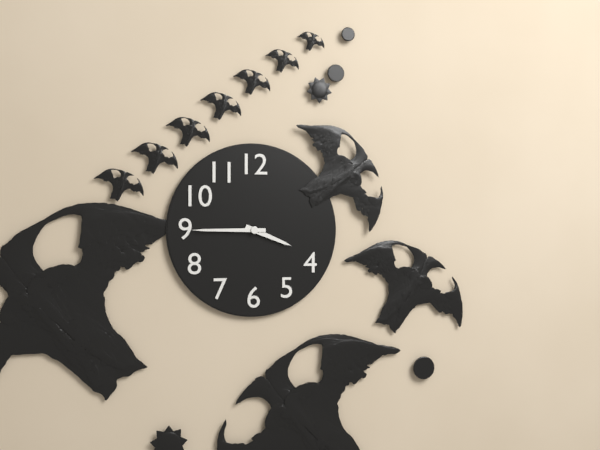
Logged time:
h=3 m=45
